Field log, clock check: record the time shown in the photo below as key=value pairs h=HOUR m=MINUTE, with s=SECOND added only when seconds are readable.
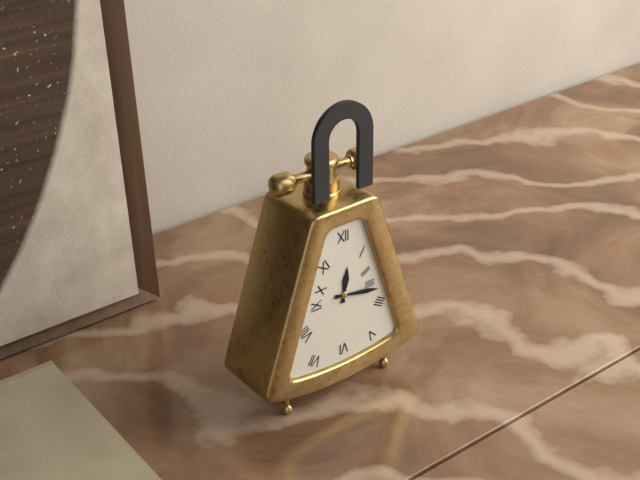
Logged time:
h=12 m=17
